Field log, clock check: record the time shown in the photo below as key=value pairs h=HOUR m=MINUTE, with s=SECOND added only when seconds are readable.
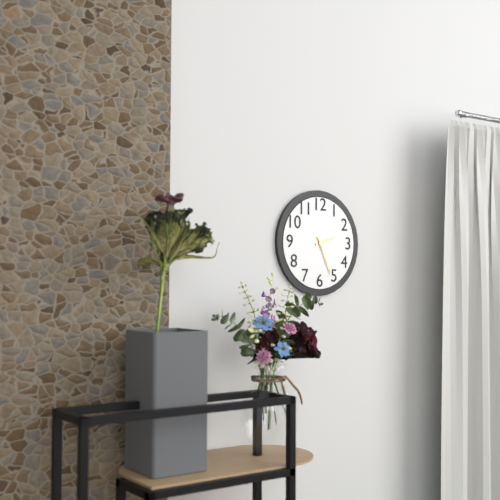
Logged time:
h=2 m=26
